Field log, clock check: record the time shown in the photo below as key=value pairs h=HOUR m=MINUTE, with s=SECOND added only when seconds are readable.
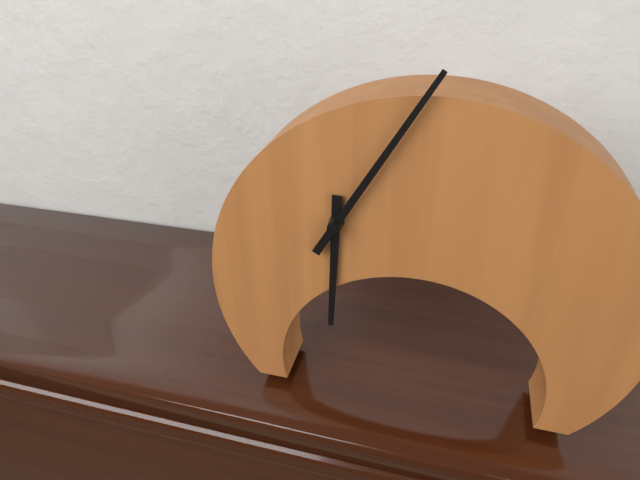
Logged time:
h=6 m=5
